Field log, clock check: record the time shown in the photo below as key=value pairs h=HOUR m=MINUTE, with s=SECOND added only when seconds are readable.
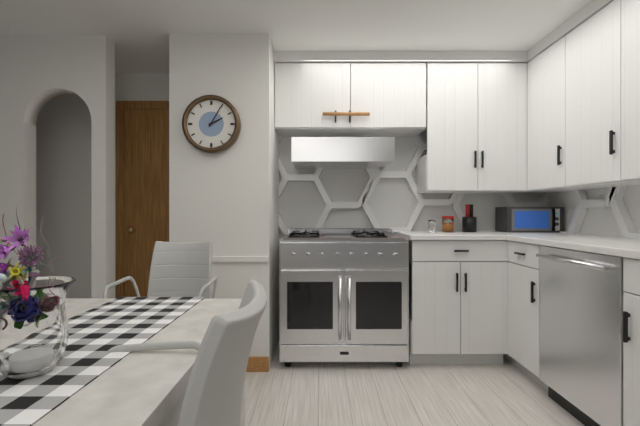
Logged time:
h=2 m=5
